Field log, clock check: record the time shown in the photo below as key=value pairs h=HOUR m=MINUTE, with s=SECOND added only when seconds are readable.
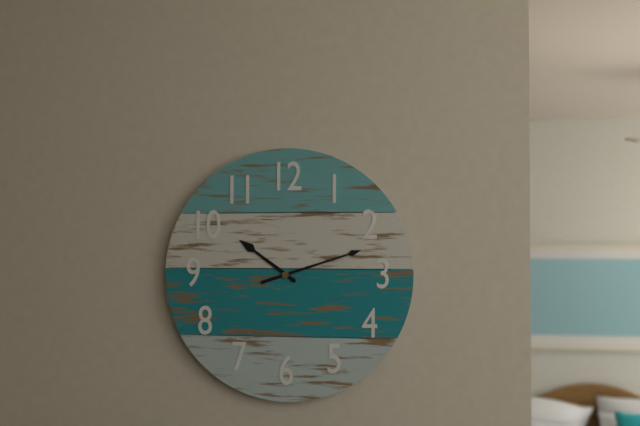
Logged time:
h=10 m=12
